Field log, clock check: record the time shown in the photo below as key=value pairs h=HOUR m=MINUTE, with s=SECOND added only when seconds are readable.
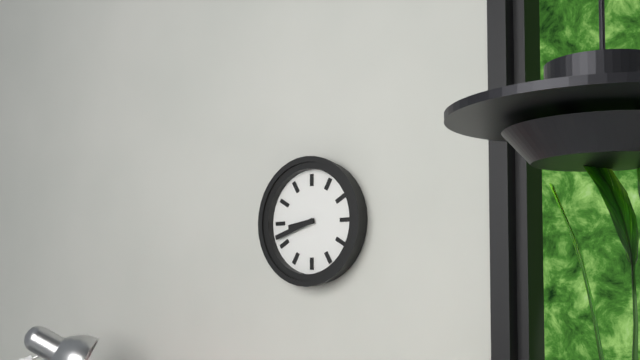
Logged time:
h=8 m=42
